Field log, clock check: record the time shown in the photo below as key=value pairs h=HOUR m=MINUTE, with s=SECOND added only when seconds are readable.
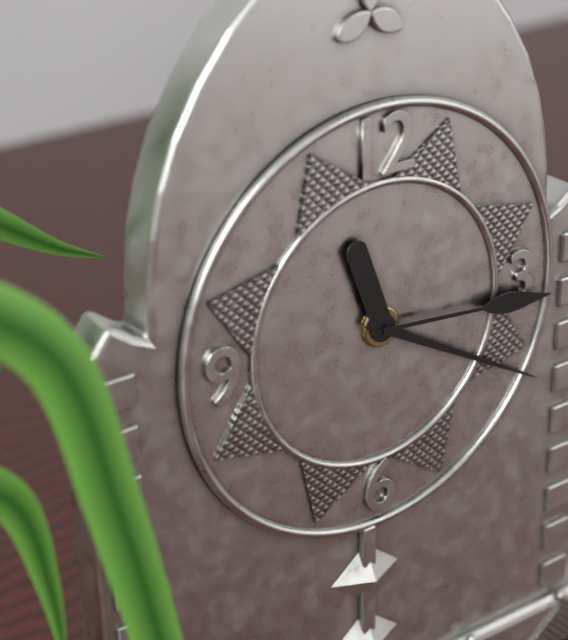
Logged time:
h=11 m=20 s=16
